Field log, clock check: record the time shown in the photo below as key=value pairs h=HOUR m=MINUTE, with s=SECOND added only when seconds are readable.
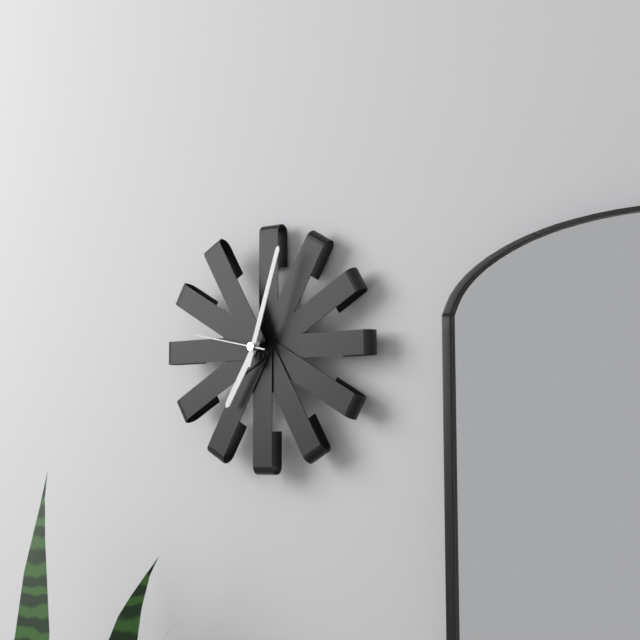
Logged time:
h=7 m=3 s=47
